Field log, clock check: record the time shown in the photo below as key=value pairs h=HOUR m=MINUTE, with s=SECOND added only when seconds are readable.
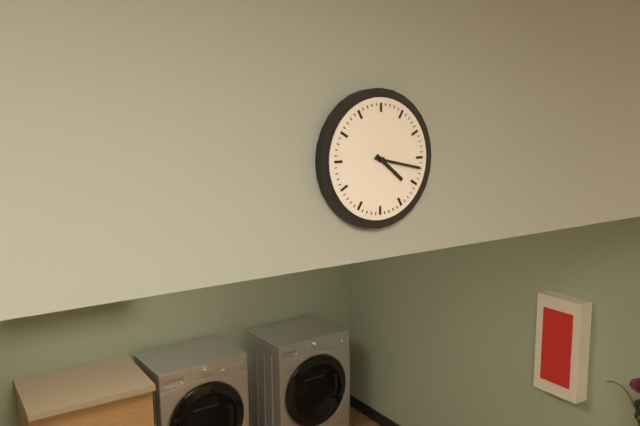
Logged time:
h=4 m=17
